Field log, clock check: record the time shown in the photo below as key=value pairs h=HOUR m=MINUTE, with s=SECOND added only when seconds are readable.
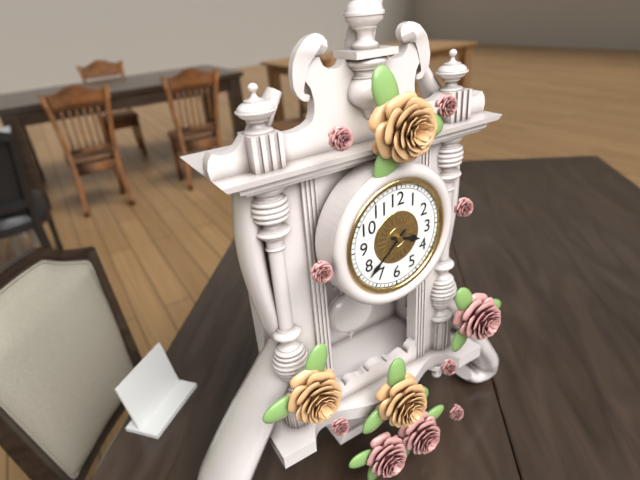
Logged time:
h=3 m=38
